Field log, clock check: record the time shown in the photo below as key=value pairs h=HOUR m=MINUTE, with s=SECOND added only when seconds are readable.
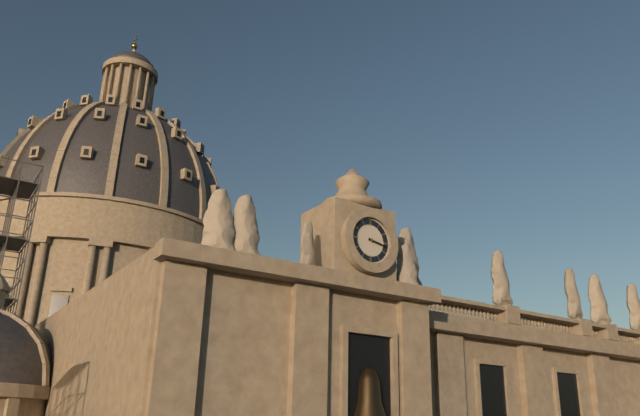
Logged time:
h=3 m=17
